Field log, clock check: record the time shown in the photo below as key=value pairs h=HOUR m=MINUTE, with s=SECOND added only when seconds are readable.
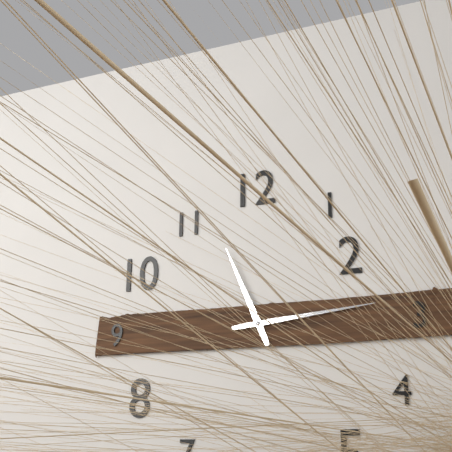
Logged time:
h=11 m=14
